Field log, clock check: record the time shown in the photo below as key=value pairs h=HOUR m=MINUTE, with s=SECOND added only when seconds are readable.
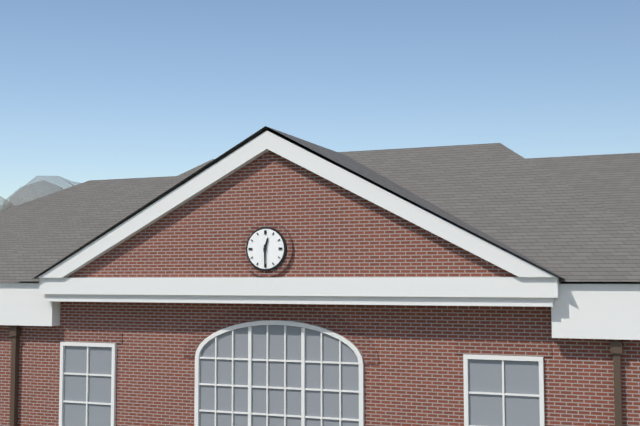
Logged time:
h=12 m=30
